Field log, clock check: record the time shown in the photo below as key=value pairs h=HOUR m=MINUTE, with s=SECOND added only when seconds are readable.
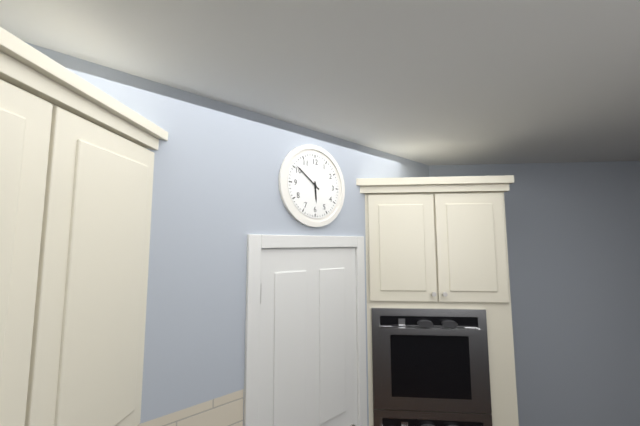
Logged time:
h=5 m=51
